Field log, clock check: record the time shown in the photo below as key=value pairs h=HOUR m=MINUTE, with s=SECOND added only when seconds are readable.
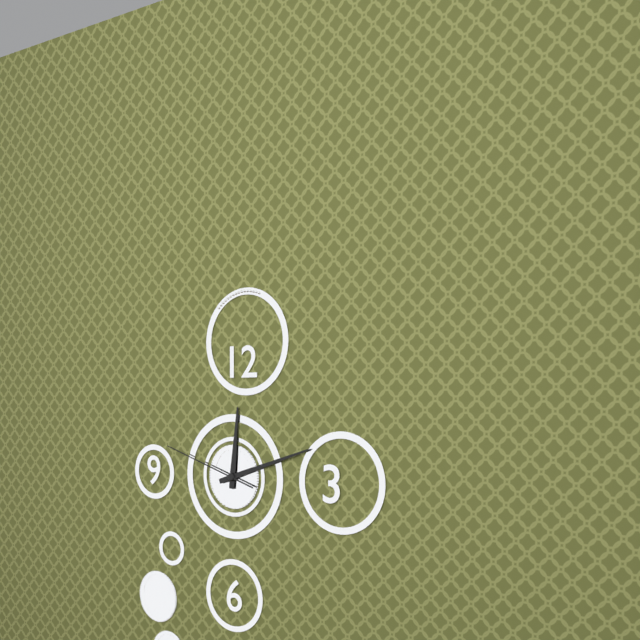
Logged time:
h=12 m=12 s=48
